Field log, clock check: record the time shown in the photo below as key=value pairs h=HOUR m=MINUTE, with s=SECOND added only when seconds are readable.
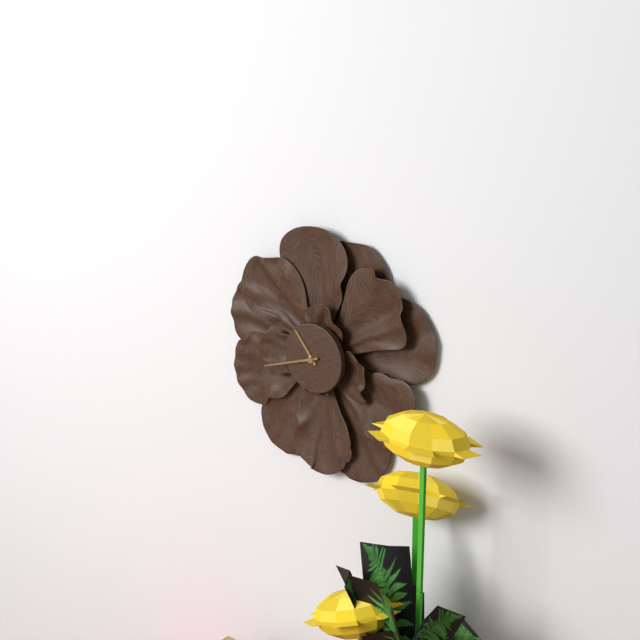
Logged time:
h=10 m=42
